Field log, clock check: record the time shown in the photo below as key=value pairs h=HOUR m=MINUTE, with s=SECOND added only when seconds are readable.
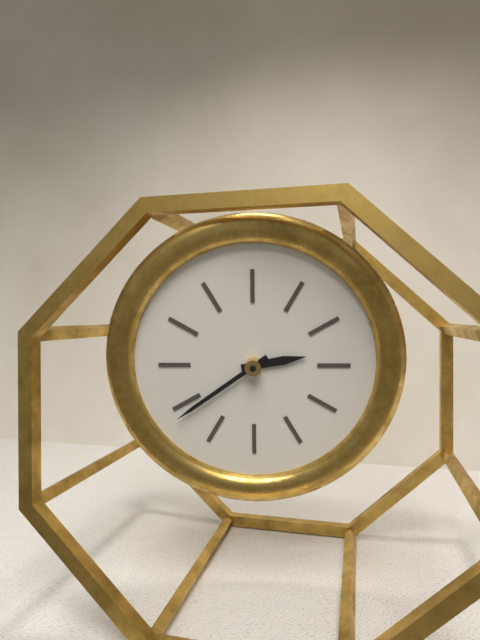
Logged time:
h=2 m=39
